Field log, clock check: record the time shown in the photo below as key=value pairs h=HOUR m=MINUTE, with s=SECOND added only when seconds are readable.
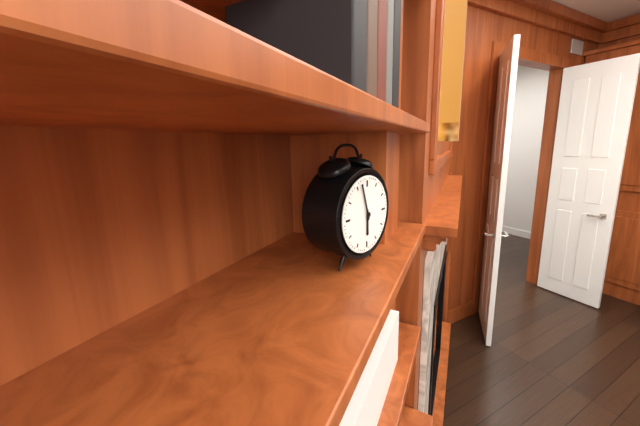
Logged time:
h=5 m=57
